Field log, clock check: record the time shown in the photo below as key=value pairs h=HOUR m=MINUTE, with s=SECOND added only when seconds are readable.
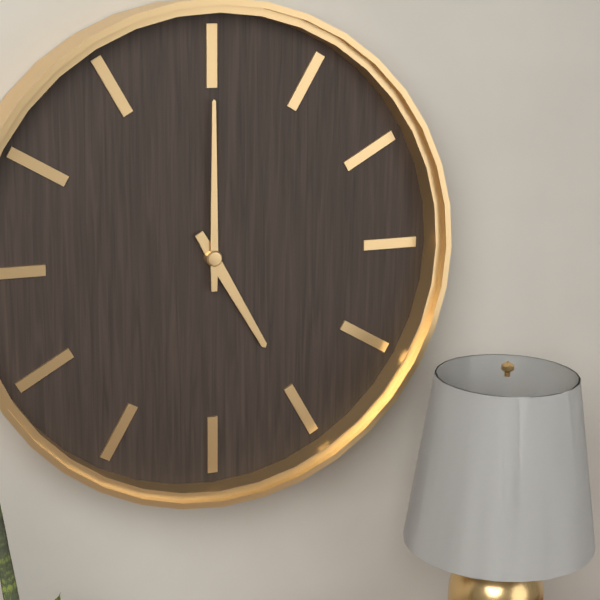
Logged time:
h=5 m=0
